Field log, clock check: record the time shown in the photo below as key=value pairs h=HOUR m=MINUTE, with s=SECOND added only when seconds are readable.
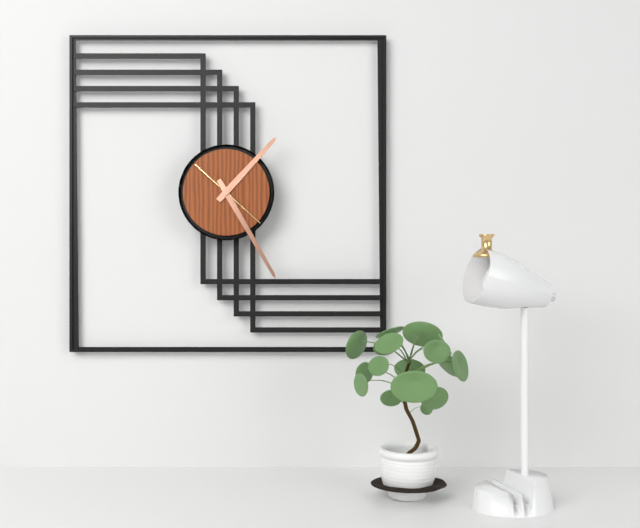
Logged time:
h=1 m=25 s=22
